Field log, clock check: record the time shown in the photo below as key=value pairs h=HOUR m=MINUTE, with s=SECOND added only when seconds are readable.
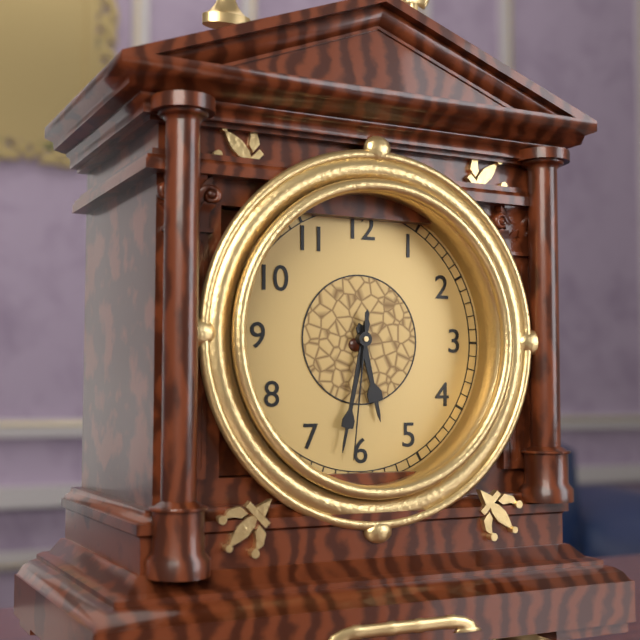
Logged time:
h=5 m=32 s=31
